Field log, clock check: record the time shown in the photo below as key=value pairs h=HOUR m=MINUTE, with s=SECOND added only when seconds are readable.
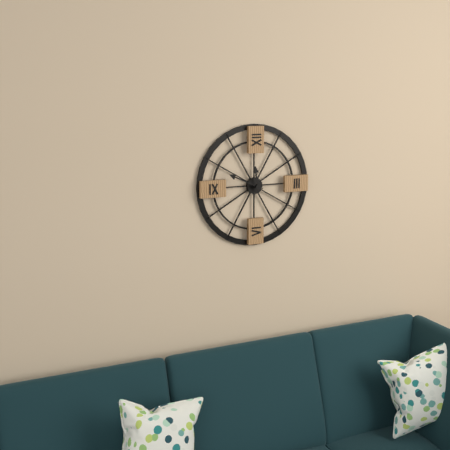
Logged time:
h=11 m=49
